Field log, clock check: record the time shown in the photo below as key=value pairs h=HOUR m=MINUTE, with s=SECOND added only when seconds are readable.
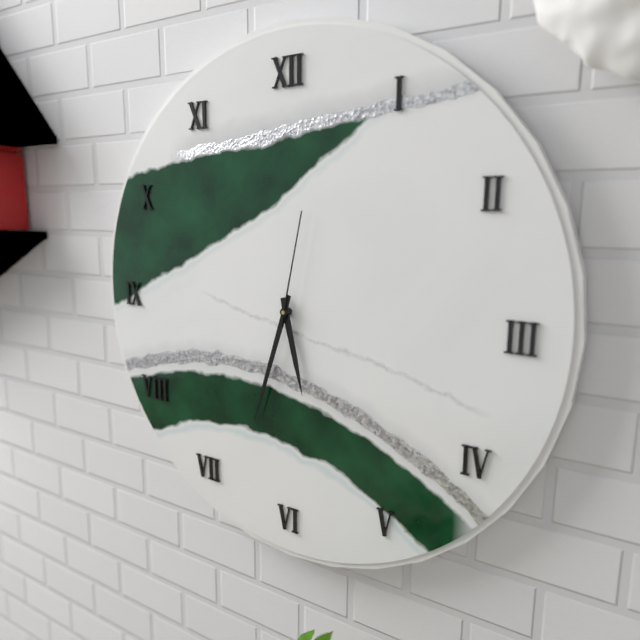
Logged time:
h=5 m=33 s=2
